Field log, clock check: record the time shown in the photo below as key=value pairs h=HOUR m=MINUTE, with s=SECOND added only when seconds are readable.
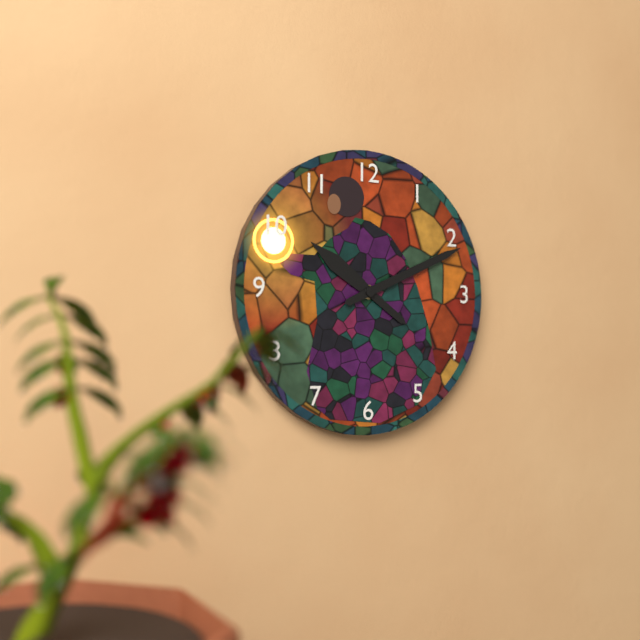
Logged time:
h=10 m=11
